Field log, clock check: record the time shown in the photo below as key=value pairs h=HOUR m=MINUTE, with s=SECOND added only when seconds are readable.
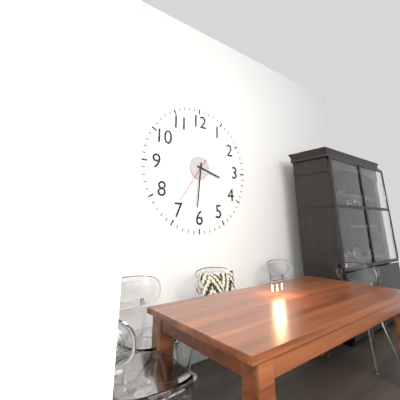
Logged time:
h=3 m=31
